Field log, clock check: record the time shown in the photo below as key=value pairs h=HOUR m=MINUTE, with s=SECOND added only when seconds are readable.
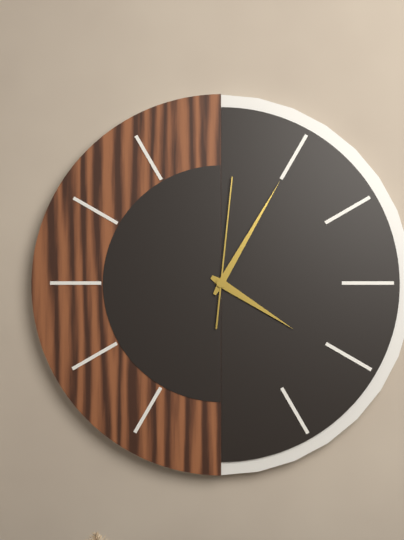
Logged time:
h=4 m=5 s=1
